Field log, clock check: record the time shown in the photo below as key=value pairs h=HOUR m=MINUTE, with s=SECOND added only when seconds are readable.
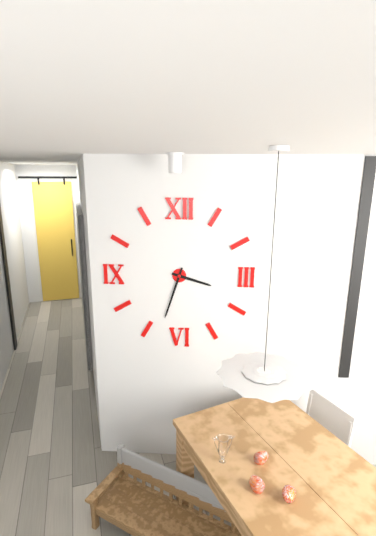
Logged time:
h=3 m=33
